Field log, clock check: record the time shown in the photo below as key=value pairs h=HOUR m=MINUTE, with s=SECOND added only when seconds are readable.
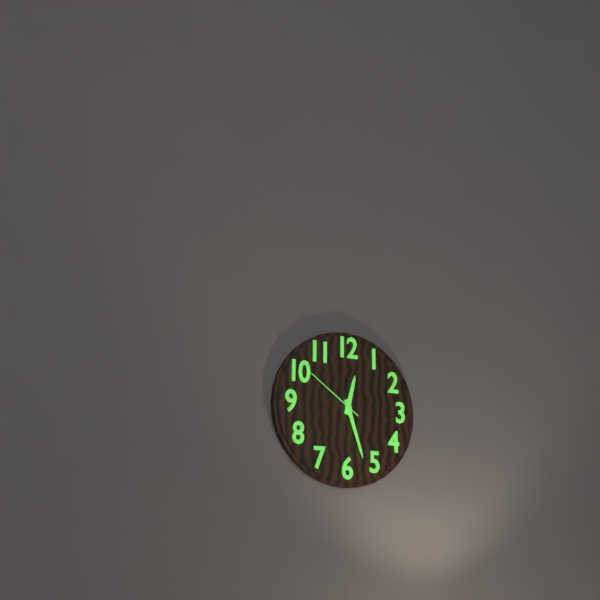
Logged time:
h=12 m=27 s=51
